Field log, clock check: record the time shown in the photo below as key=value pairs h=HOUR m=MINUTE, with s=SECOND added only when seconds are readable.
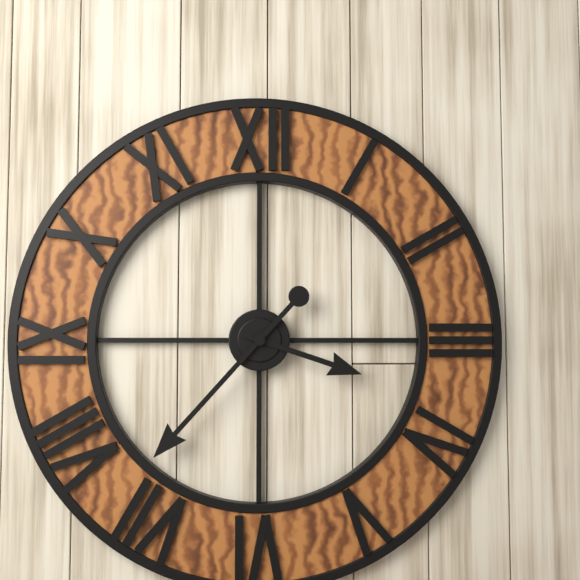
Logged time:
h=3 m=37
